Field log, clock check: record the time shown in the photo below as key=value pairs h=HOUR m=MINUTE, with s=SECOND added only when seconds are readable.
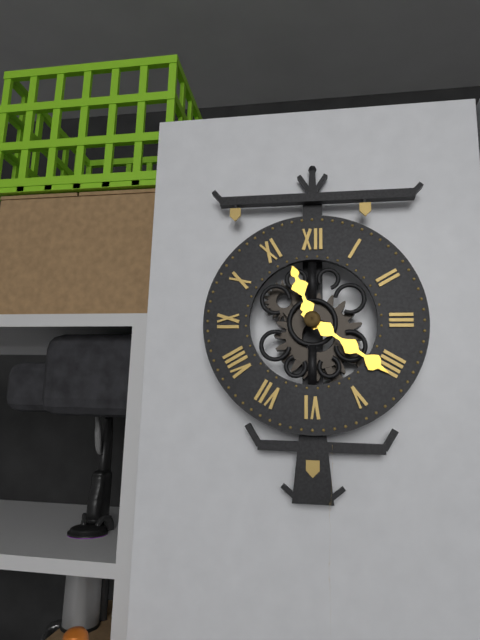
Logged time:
h=11 m=21
